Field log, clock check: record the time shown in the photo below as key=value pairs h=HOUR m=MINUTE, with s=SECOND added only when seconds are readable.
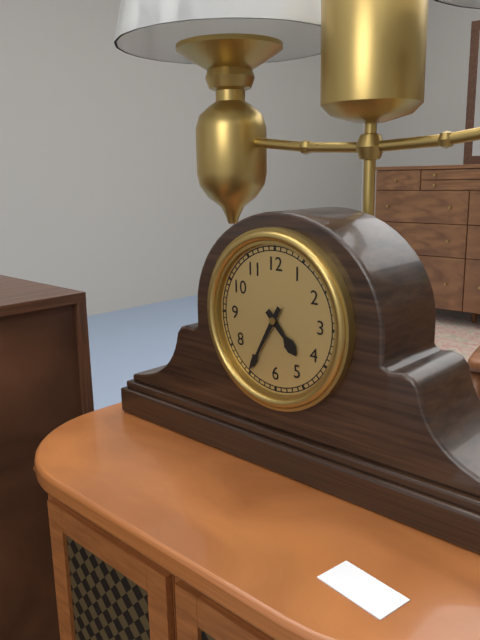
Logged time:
h=4 m=35
